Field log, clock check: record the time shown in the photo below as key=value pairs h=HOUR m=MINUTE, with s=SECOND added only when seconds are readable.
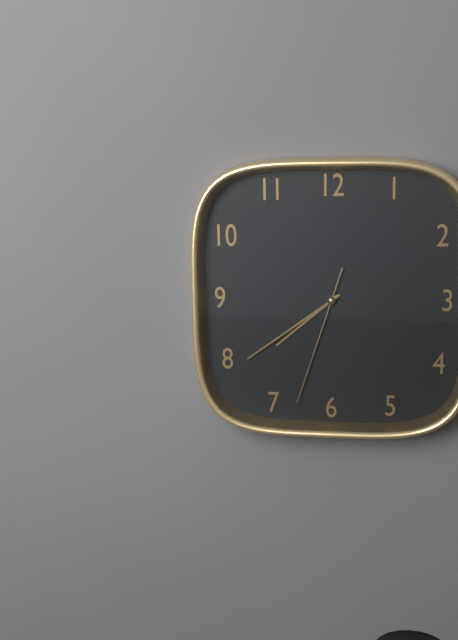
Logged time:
h=7 m=39 s=33
